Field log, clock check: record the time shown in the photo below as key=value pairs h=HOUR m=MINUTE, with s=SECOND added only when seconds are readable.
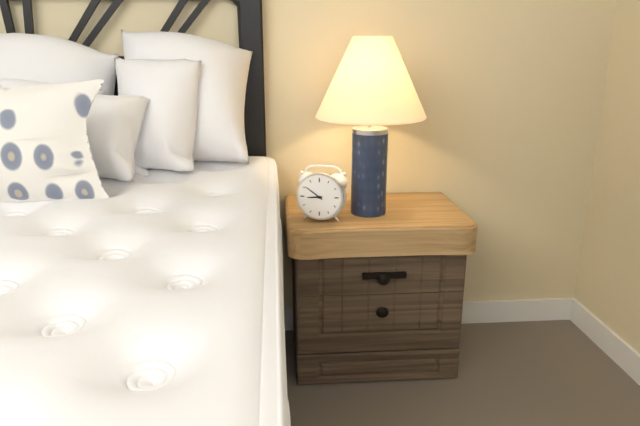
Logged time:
h=8 m=51
